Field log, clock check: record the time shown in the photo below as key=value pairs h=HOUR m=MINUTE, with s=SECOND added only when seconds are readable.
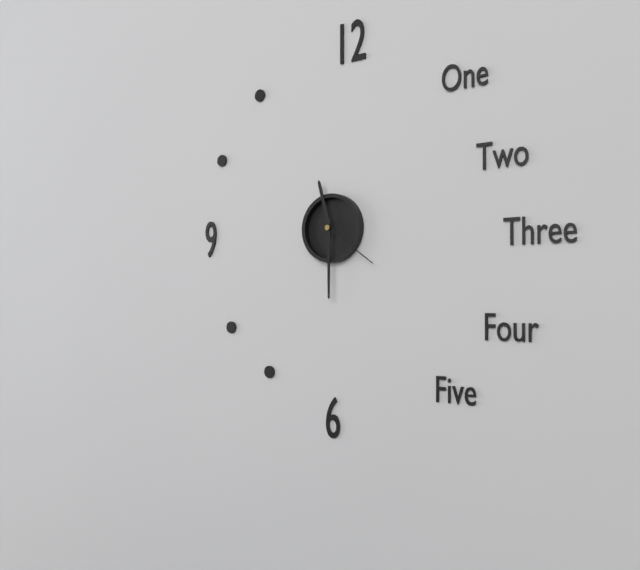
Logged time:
h=11 m=30 s=21
